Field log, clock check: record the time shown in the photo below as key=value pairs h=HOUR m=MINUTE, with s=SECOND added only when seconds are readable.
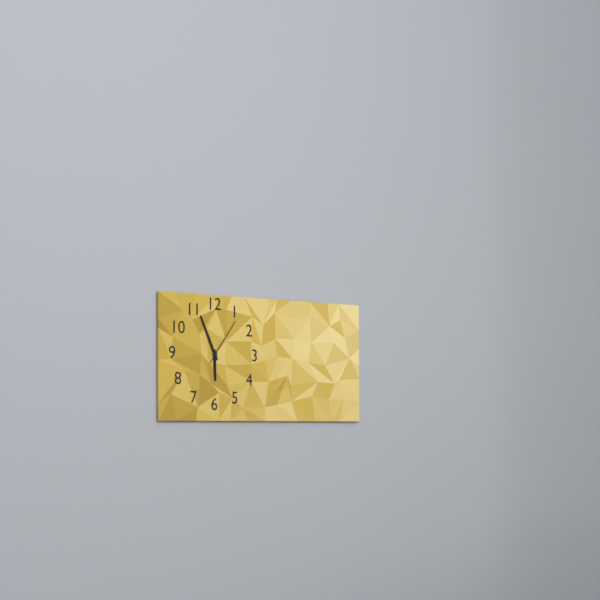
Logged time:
h=5 m=56
